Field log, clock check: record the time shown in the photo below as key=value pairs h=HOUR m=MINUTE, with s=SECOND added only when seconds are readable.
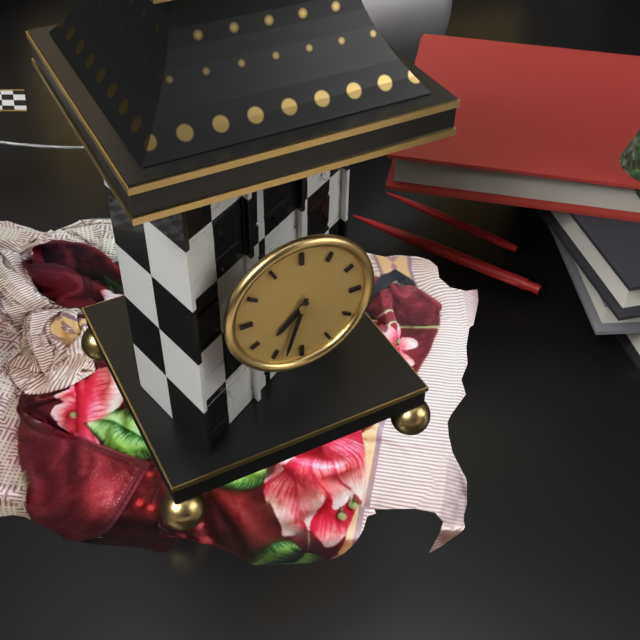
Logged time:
h=7 m=33
